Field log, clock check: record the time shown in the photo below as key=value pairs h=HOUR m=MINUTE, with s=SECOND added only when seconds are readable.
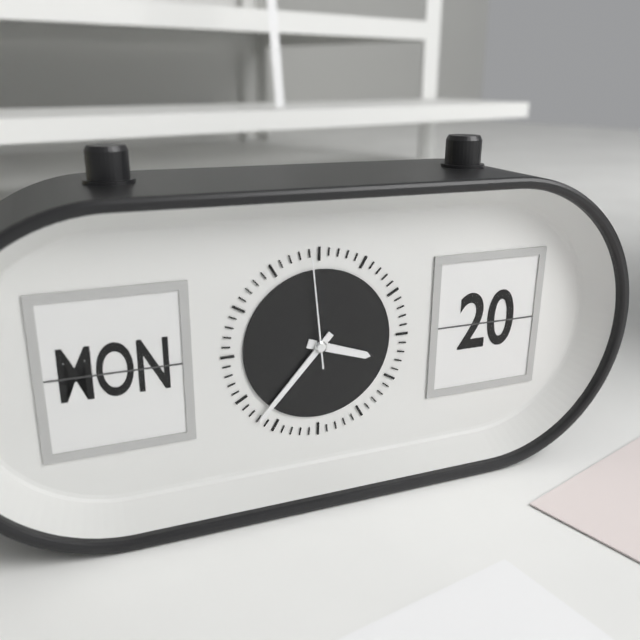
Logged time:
h=3 m=37 s=59
